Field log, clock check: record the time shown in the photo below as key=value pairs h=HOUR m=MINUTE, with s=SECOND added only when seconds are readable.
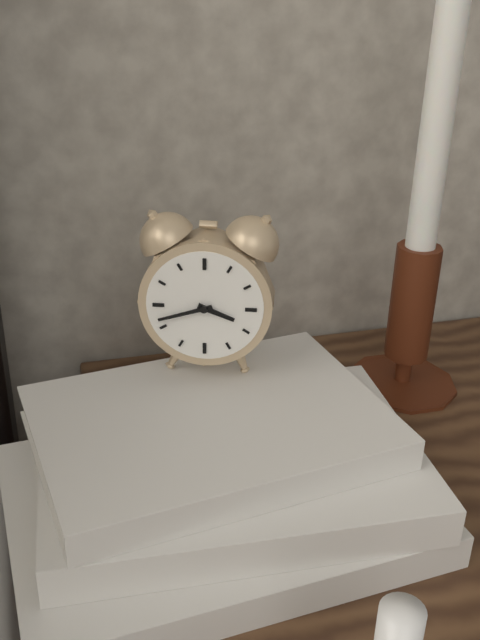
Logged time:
h=3 m=42
